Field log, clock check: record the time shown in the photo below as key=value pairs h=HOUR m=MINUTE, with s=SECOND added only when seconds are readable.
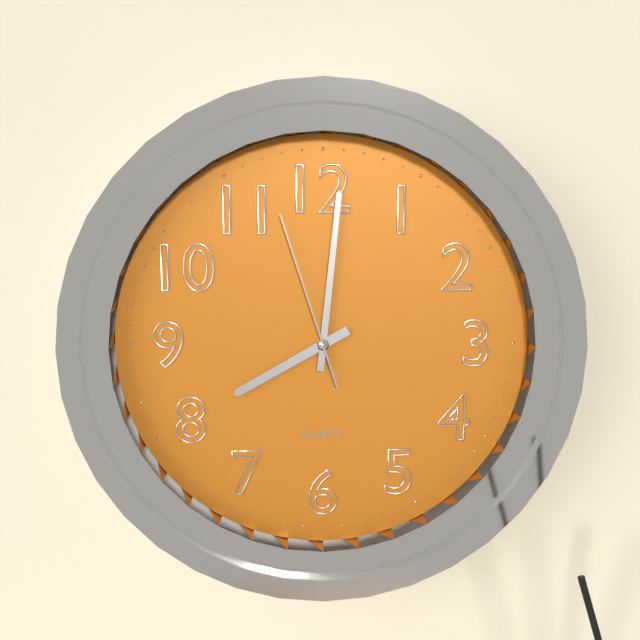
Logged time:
h=8 m=1 s=57
